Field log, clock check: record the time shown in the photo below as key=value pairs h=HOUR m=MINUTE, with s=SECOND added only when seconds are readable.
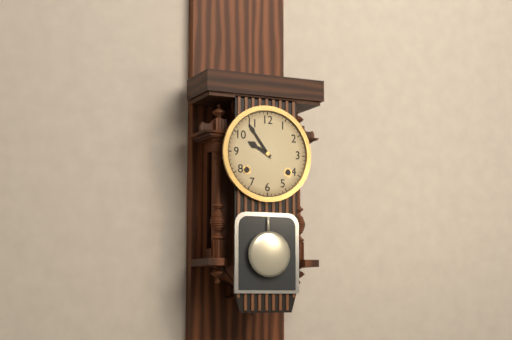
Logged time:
h=9 m=54
